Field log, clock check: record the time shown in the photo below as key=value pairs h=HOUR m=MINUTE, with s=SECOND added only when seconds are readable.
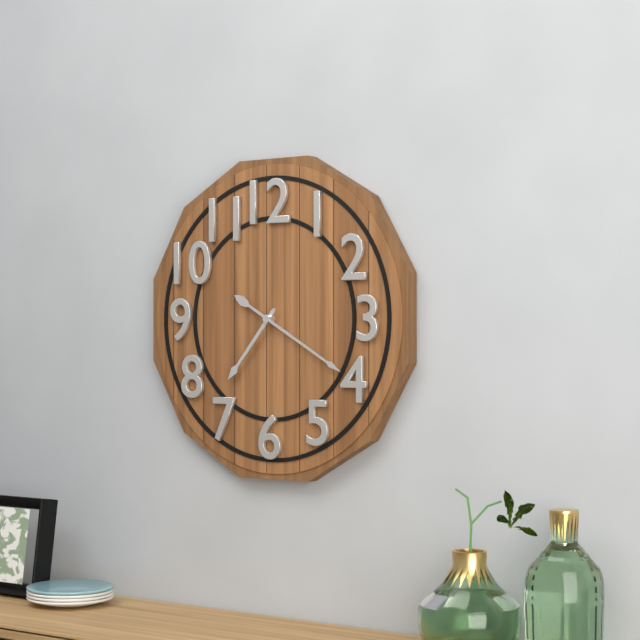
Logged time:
h=7 m=20
